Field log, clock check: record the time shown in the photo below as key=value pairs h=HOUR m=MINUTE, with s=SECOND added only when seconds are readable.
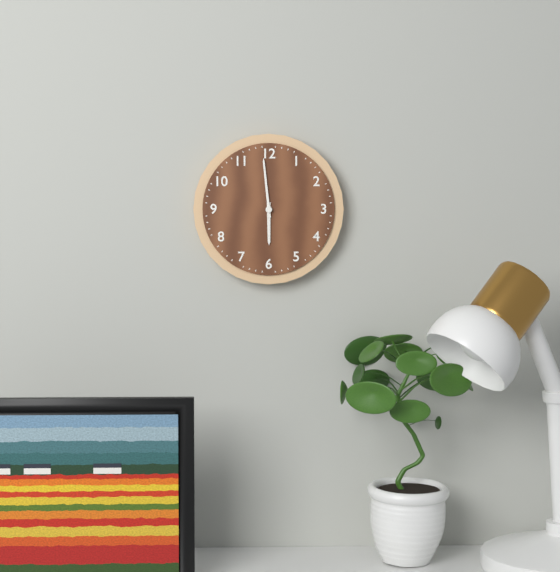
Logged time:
h=5 m=59
